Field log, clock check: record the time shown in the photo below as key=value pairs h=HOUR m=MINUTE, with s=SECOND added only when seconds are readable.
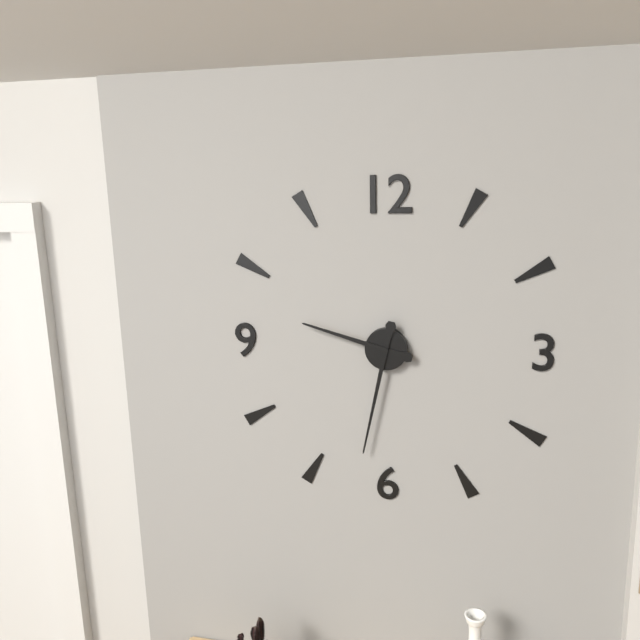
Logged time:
h=9 m=32
